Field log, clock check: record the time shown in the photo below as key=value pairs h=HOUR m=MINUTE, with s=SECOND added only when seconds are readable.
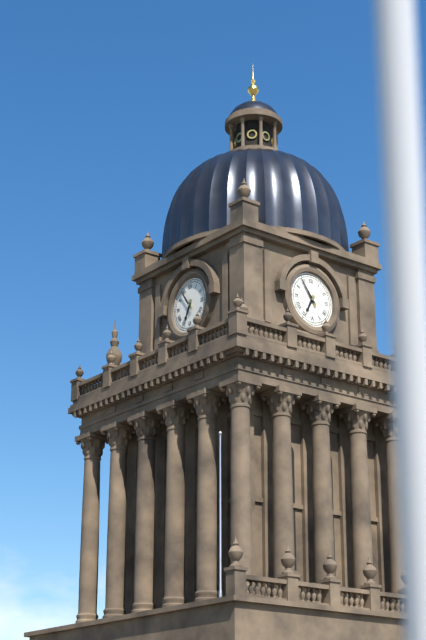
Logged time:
h=6 m=54
